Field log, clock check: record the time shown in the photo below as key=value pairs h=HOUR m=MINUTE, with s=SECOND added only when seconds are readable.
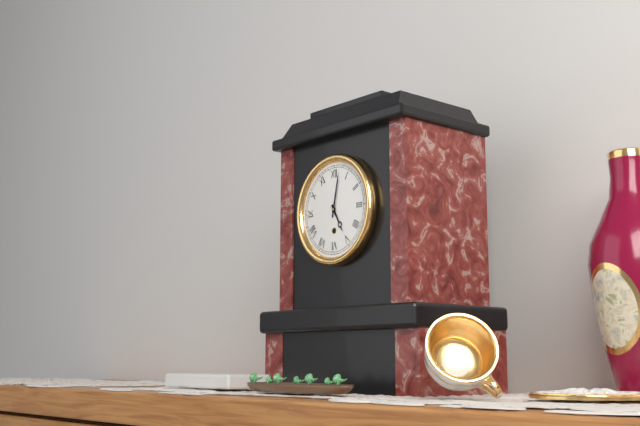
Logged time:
h=5 m=2
